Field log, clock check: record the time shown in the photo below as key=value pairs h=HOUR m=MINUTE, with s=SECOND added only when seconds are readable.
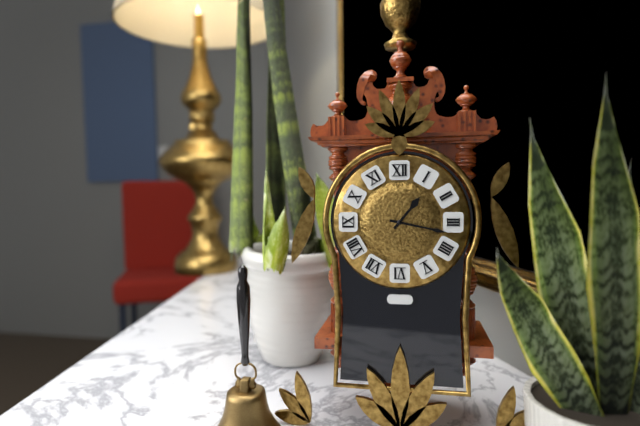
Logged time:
h=1 m=17
